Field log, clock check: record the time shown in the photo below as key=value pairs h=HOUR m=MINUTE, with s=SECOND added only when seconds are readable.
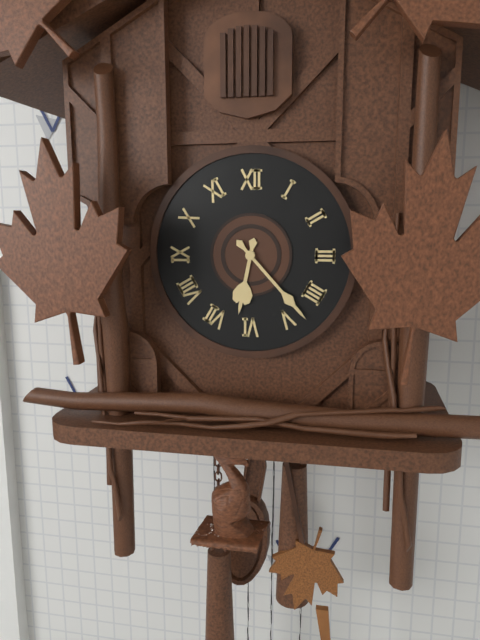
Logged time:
h=6 m=23
